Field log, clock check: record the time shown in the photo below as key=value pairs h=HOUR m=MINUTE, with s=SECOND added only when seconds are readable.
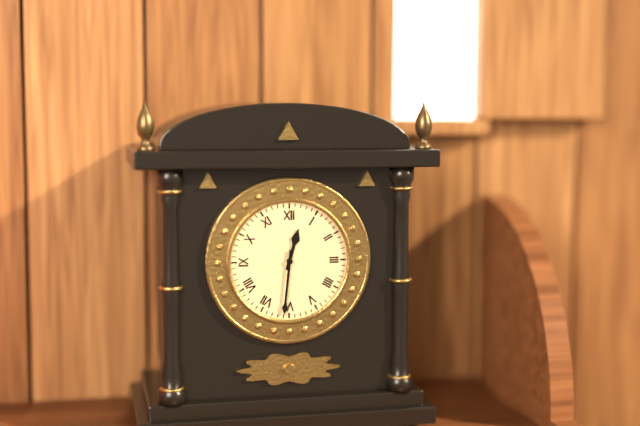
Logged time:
h=12 m=31
